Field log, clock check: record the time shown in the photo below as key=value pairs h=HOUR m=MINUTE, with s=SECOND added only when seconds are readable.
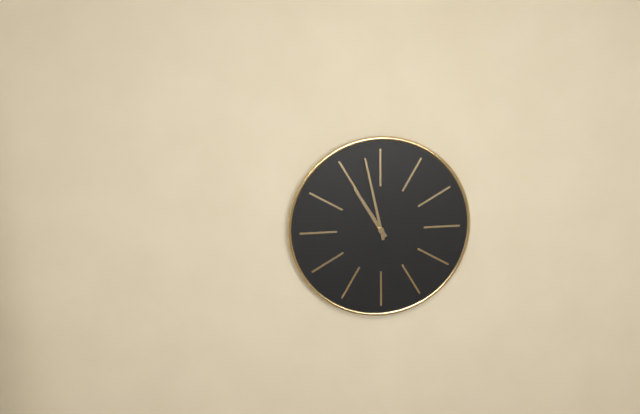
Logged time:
h=10 m=58
